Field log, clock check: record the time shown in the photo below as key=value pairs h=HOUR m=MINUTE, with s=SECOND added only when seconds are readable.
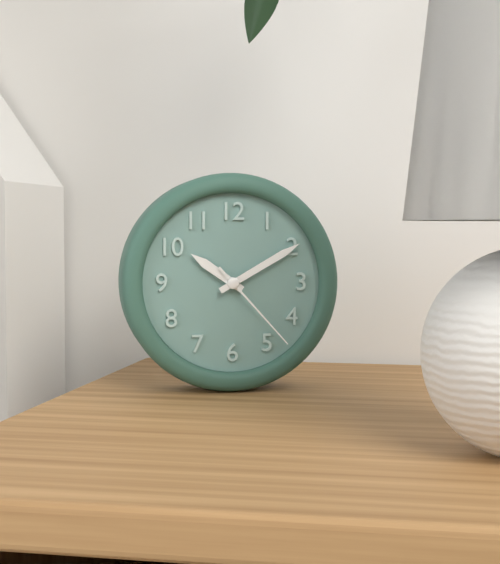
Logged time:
h=10 m=10 s=23
